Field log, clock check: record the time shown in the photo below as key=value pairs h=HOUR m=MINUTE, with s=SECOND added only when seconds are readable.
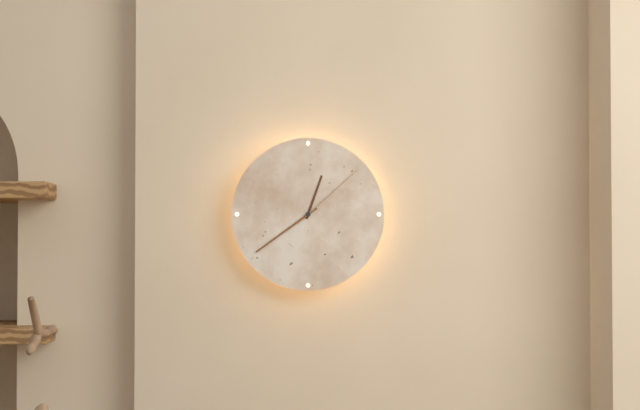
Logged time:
h=12 m=39 s=8
